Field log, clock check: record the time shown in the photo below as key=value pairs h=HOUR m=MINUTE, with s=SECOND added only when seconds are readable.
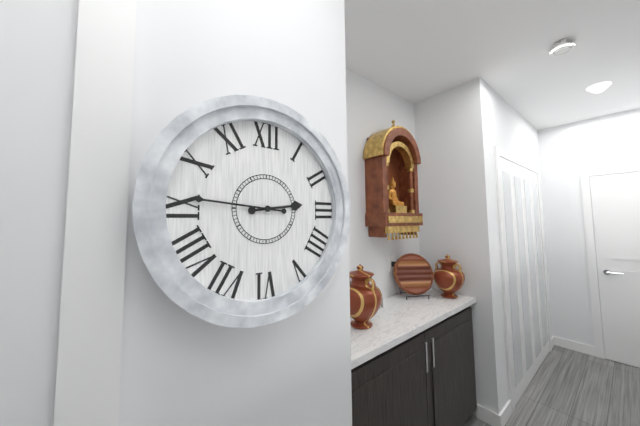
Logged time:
h=2 m=46
